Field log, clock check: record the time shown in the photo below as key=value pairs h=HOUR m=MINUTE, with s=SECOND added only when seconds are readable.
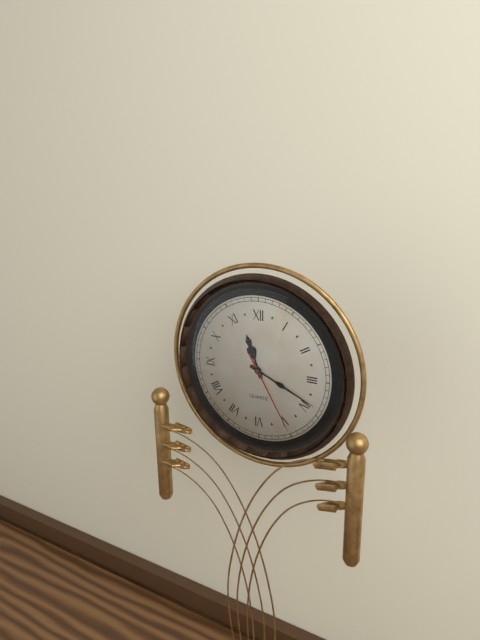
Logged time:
h=11 m=19 s=25
